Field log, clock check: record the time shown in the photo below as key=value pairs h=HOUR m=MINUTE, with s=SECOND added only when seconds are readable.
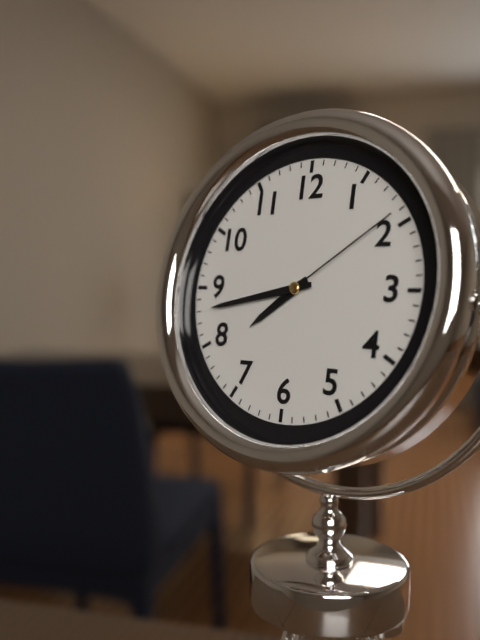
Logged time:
h=7 m=43 s=9
